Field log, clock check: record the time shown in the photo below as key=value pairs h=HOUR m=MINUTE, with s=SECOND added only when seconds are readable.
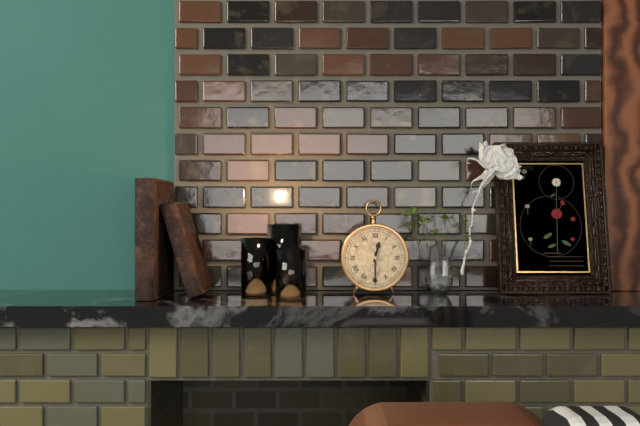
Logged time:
h=12 m=30
